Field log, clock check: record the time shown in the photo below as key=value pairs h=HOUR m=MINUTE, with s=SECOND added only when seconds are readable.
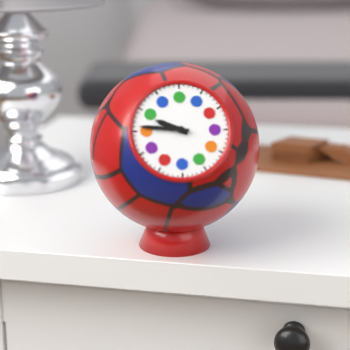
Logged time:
h=9 m=46
